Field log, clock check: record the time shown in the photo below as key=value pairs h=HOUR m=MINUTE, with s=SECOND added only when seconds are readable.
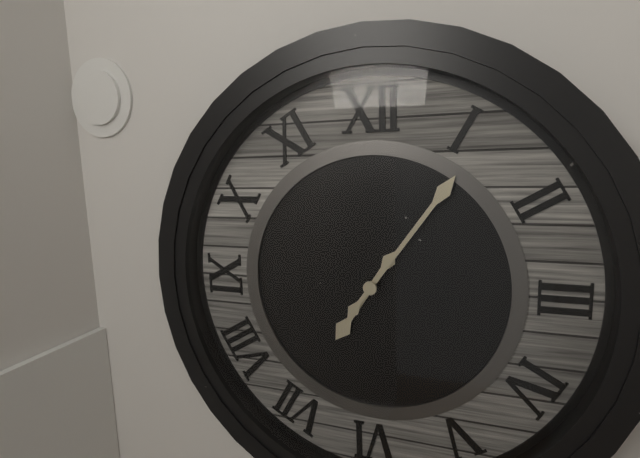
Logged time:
h=7 m=6
